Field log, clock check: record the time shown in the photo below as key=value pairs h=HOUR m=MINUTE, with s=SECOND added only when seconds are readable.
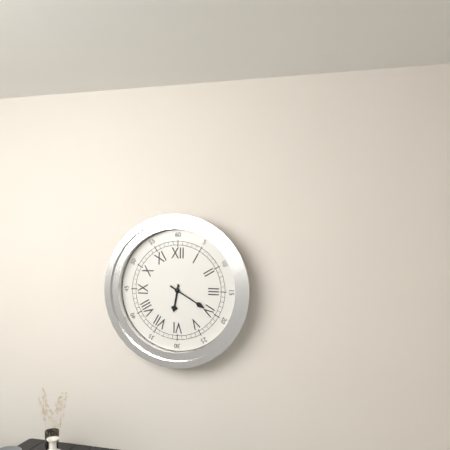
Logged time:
h=6 m=20
